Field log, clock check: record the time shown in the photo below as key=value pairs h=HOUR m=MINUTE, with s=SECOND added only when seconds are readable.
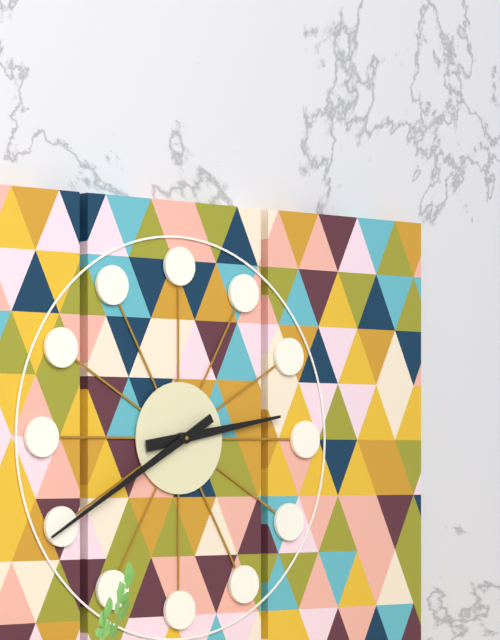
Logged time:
h=2 m=40
